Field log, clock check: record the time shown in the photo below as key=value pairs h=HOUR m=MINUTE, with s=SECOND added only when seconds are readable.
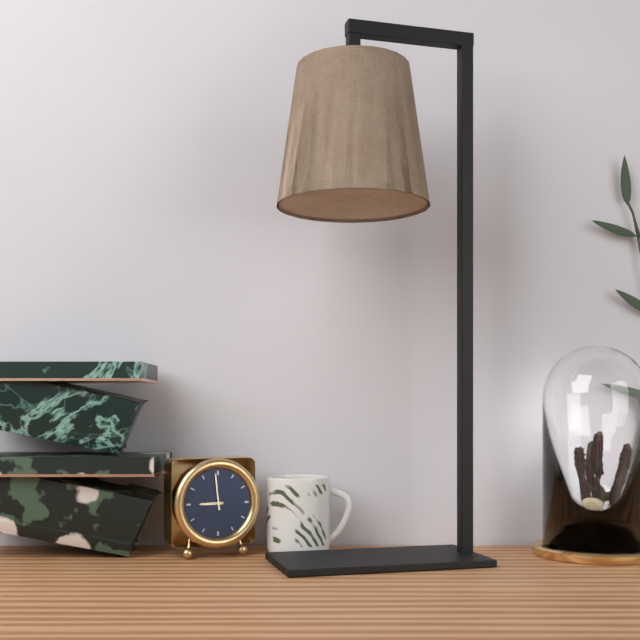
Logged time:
h=8 m=59
